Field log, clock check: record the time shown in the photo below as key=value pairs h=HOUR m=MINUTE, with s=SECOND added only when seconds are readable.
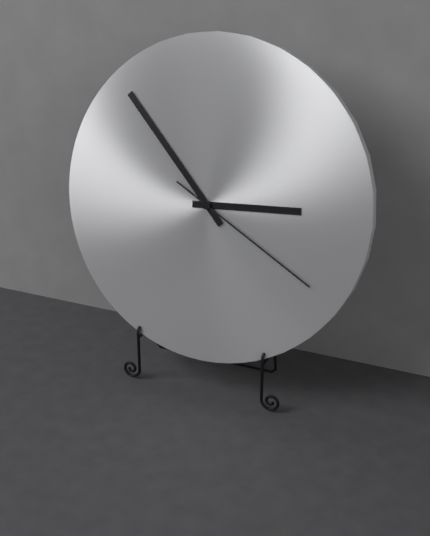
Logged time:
h=2 m=53 s=20
